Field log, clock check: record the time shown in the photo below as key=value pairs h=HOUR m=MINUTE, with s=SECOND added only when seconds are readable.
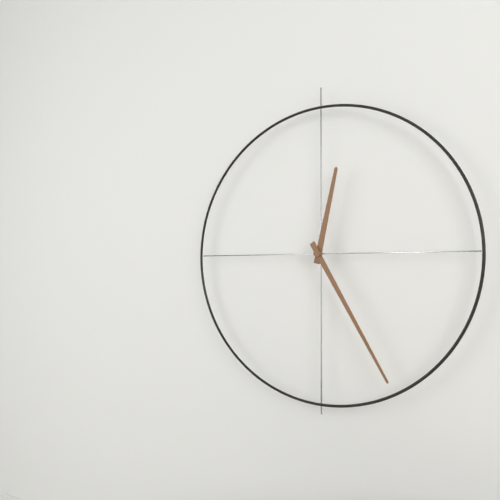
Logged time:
h=12 m=25
